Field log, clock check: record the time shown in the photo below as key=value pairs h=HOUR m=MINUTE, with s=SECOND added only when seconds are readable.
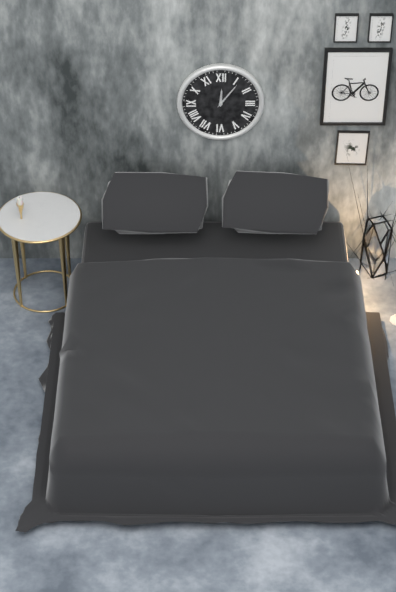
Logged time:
h=12 m=6
